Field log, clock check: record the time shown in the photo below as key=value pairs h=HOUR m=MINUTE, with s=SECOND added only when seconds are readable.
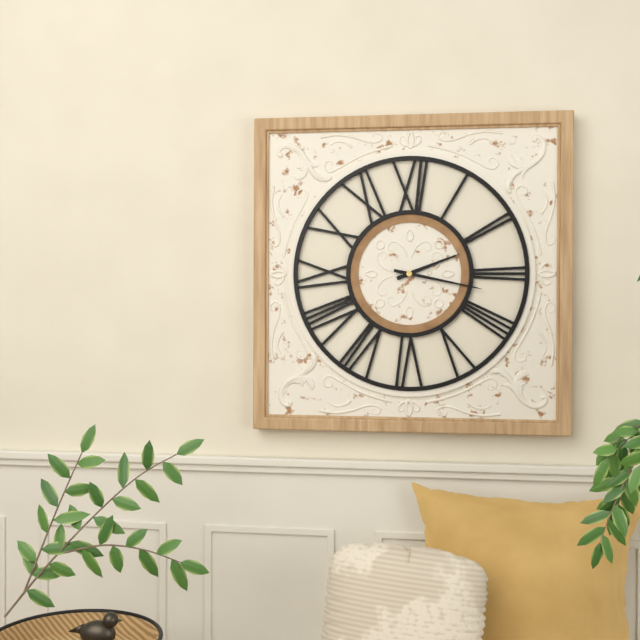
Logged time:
h=2 m=17
